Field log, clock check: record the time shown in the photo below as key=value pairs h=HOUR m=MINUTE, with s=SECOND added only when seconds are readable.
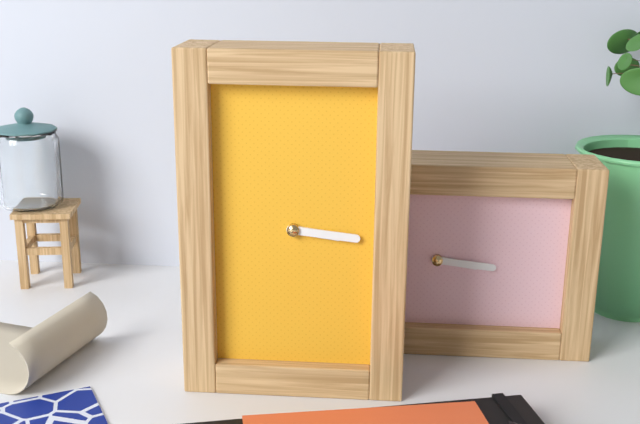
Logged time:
h=3 m=16
